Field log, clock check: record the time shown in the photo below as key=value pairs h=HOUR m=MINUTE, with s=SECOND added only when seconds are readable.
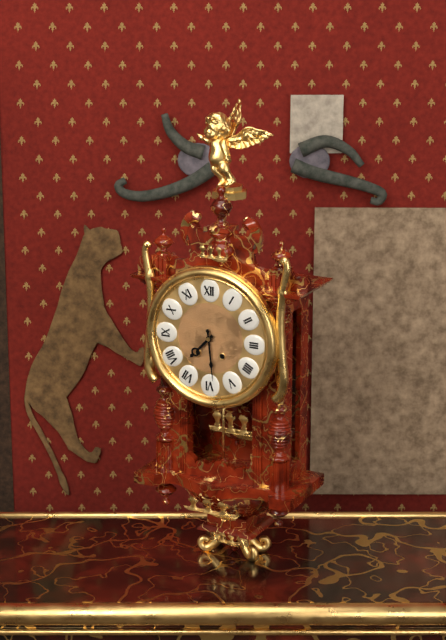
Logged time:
h=7 m=29
